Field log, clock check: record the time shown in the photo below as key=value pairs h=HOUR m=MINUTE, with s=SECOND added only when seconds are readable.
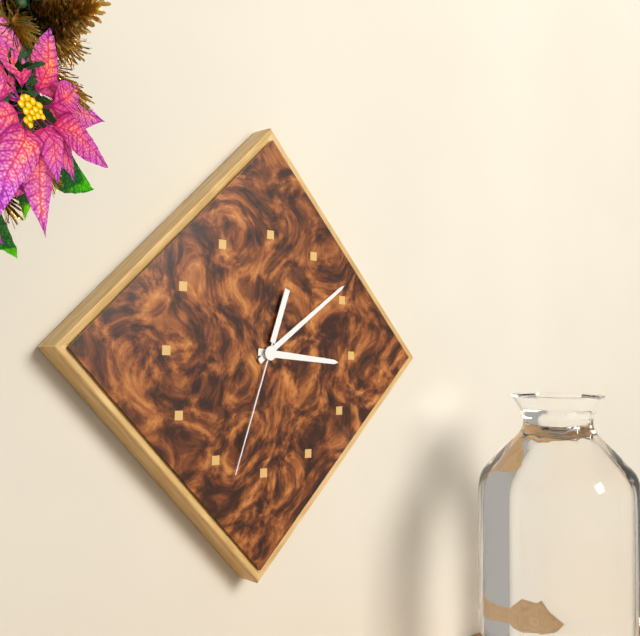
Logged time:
h=3 m=9 s=33
